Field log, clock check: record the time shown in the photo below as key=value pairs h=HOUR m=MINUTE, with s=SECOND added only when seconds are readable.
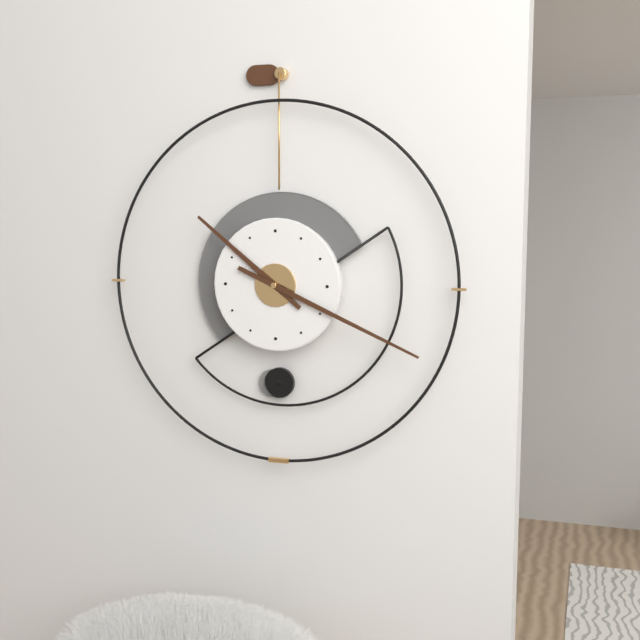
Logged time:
h=10 m=19
